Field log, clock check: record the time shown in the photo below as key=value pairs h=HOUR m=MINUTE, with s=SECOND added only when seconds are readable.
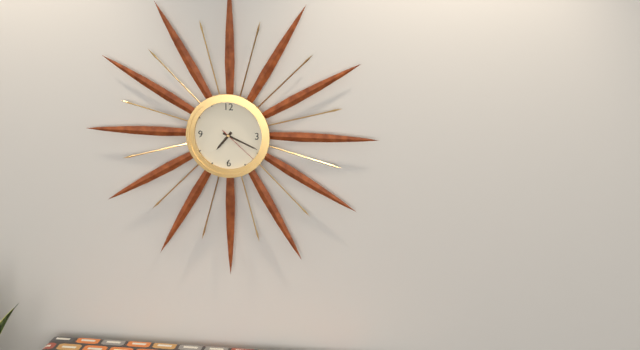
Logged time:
h=7 m=19
